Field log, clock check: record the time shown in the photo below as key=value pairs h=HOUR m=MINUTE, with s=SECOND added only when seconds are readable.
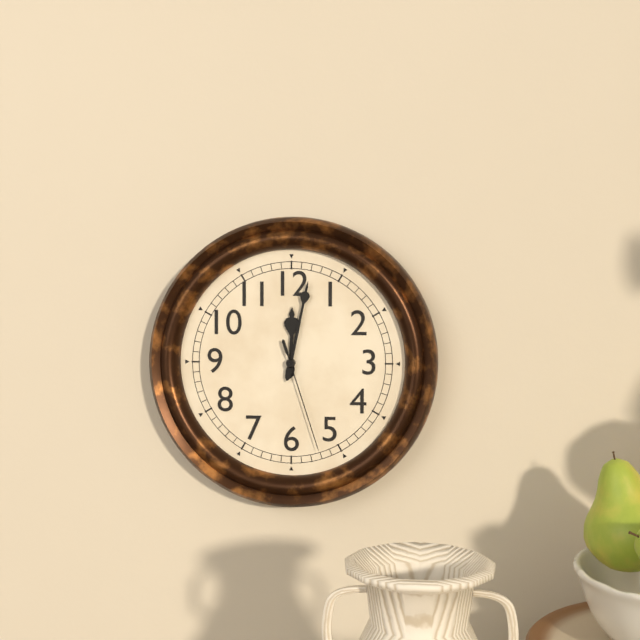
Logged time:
h=12 m=2 s=27
